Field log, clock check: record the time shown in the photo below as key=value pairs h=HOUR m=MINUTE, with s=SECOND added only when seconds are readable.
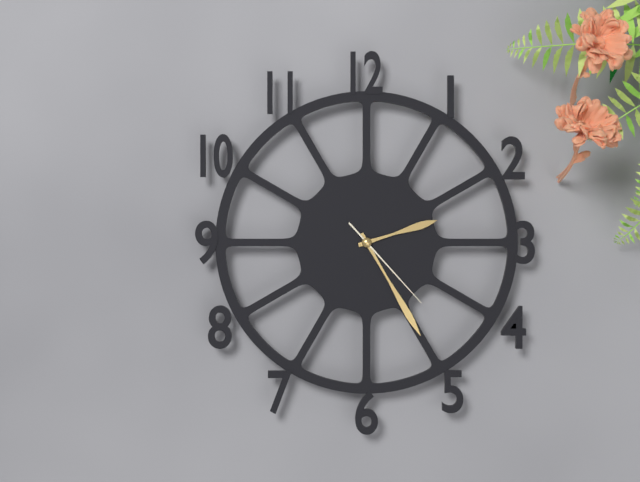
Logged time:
h=2 m=25 s=23
